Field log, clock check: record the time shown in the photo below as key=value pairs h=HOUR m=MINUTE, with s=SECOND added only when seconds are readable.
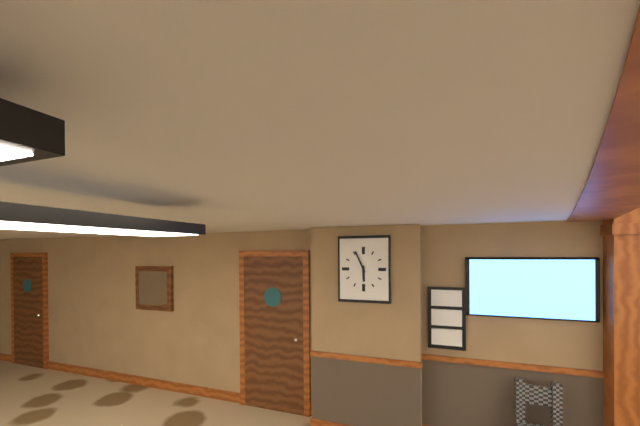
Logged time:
h=5 m=56
